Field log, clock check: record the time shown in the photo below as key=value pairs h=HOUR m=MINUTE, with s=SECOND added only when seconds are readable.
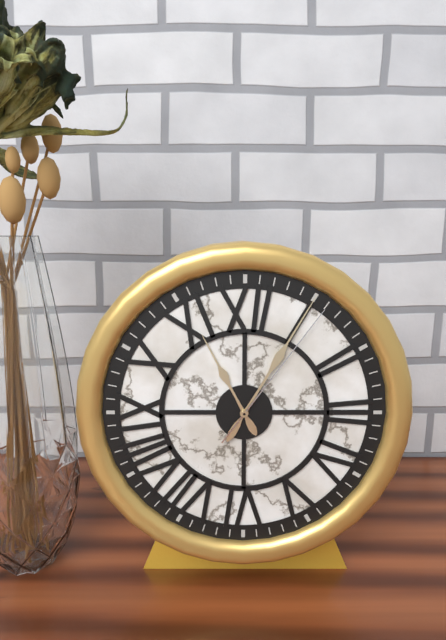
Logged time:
h=11 m=5 s=6
